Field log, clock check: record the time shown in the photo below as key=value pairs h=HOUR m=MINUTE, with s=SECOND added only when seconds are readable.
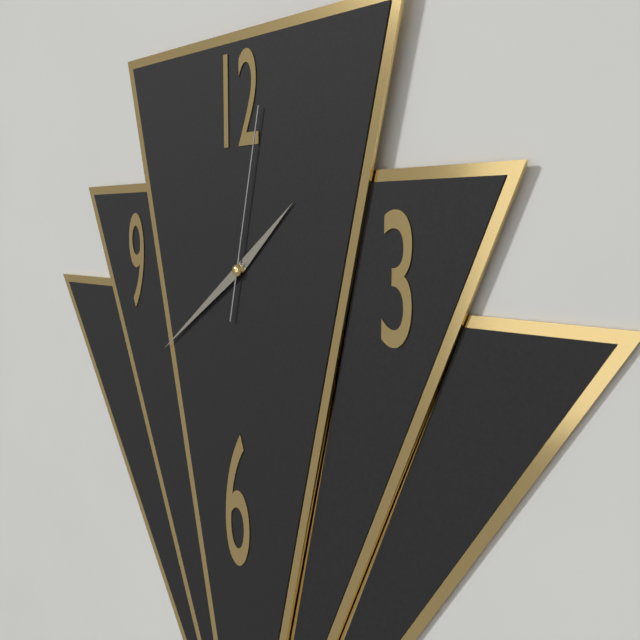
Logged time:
h=1 m=39 s=2
